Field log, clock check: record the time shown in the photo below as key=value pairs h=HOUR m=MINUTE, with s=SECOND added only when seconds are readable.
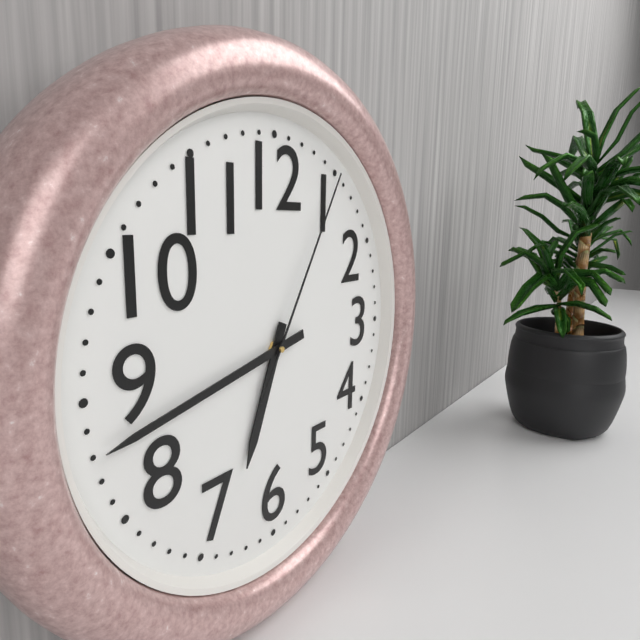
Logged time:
h=6 m=43 s=5
